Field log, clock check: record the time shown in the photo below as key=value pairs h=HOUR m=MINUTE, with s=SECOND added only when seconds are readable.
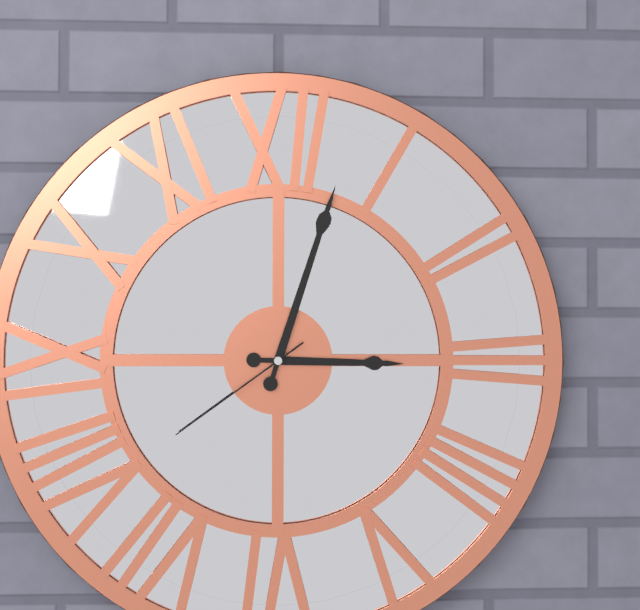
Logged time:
h=3 m=3 s=39
